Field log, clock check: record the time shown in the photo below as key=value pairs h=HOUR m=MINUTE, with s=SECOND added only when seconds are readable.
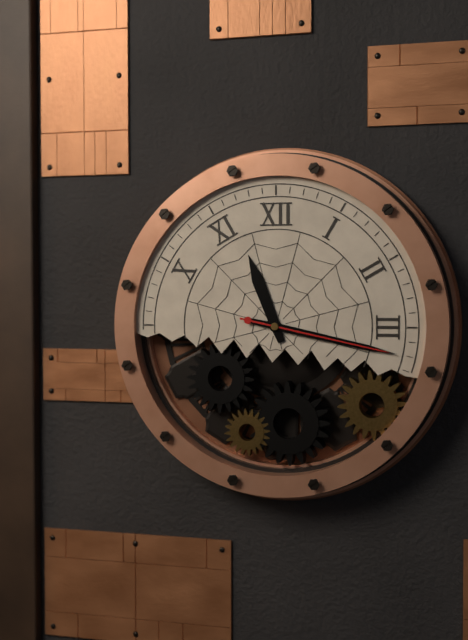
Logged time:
h=11 m=17 s=17
